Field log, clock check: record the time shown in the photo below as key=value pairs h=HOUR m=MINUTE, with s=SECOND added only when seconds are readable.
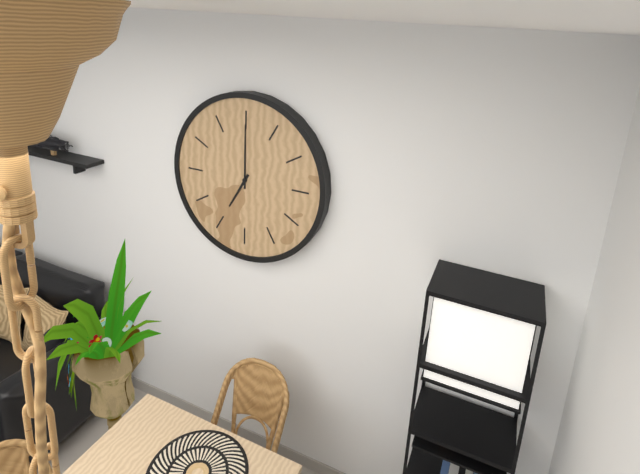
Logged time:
h=7 m=0
